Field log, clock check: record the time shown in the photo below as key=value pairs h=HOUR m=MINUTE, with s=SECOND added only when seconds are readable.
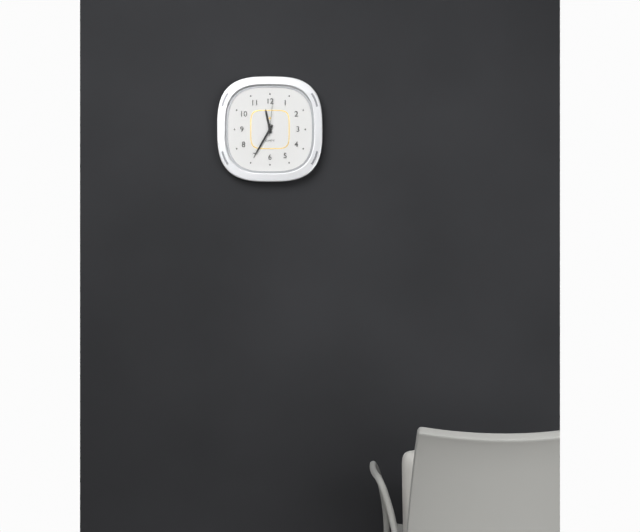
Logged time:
h=11 m=35
